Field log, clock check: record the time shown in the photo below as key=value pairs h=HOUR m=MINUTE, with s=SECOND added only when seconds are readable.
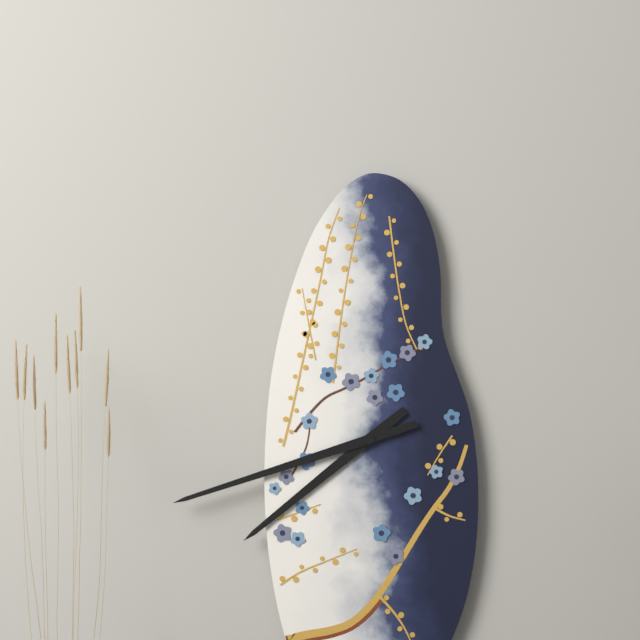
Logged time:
h=7 m=42
